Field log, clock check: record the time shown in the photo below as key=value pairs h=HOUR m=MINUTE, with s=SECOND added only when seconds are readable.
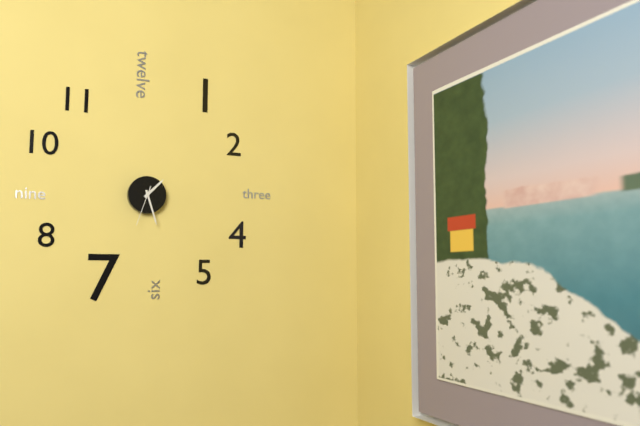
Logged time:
h=1 m=27
